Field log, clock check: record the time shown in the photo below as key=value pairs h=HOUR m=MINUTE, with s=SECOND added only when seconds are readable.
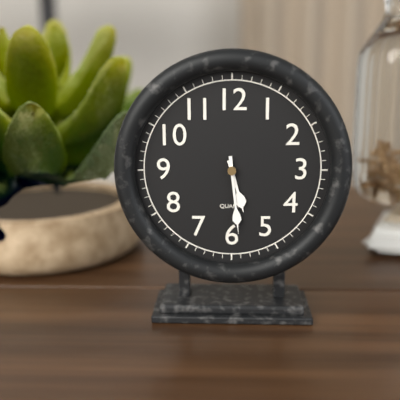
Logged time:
h=5 m=29
